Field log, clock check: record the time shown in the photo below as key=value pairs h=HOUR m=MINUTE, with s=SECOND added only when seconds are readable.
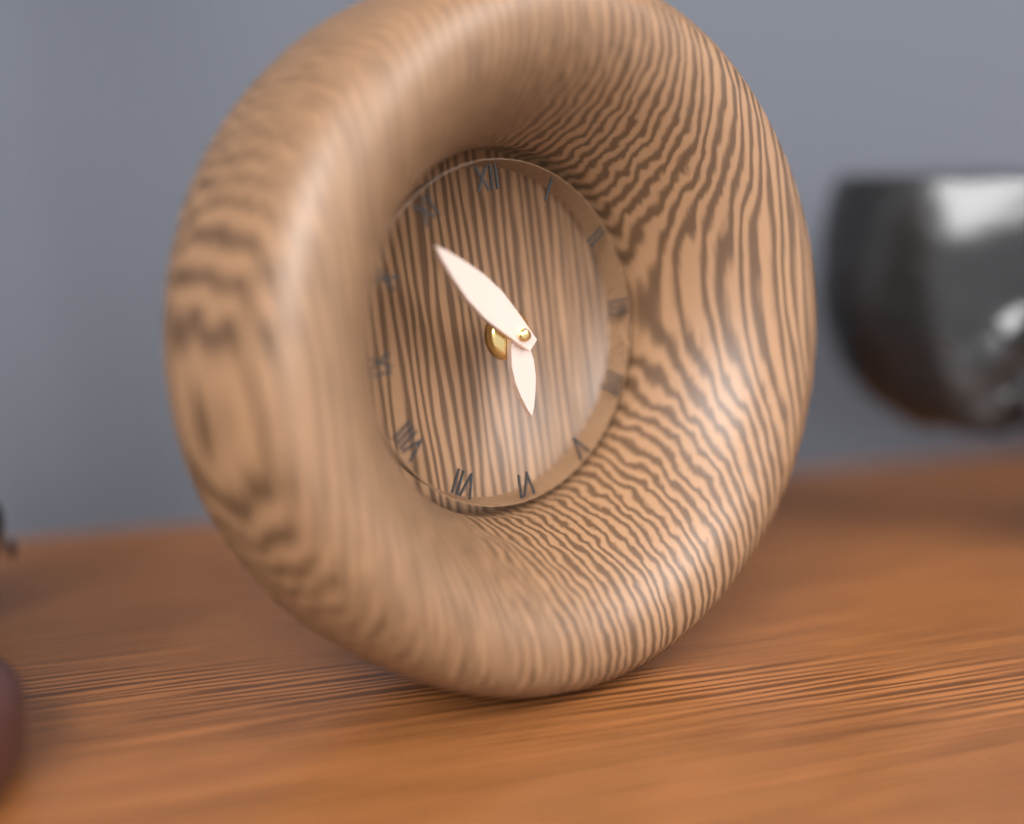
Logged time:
h=5 m=53
